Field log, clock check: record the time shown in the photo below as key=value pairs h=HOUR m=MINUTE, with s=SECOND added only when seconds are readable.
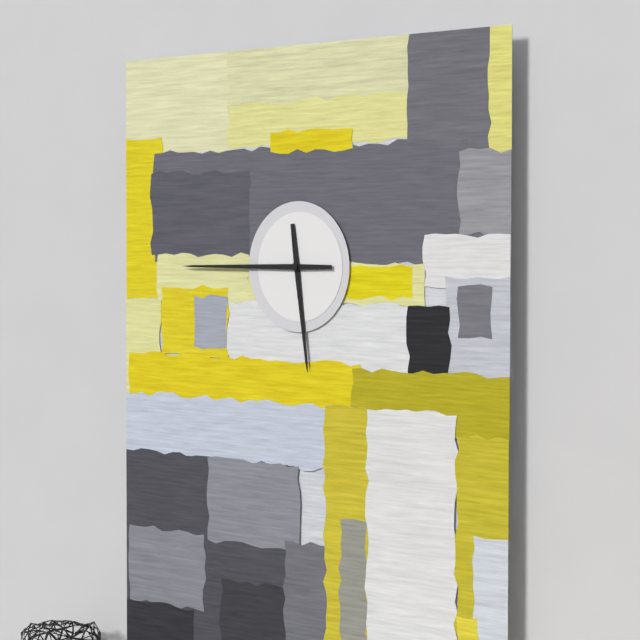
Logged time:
h=5 m=45
